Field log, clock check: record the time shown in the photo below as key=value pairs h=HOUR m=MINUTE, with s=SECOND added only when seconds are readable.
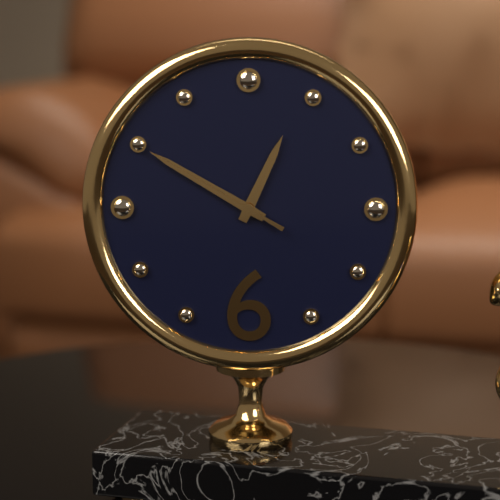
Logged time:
h=12 m=50 s=50
